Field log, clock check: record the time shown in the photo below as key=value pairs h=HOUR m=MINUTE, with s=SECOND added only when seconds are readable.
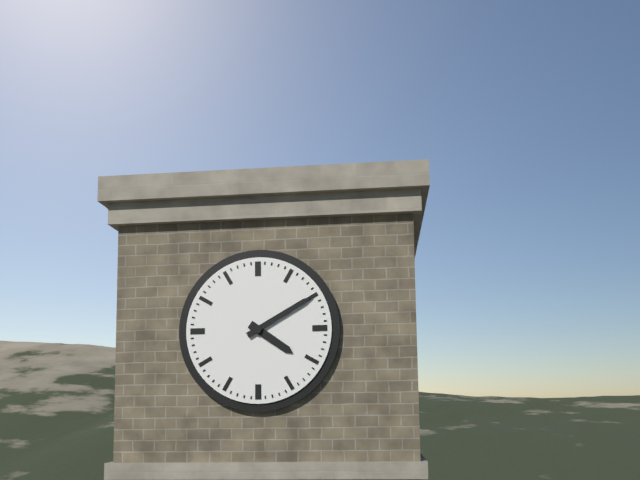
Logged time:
h=4 m=10
